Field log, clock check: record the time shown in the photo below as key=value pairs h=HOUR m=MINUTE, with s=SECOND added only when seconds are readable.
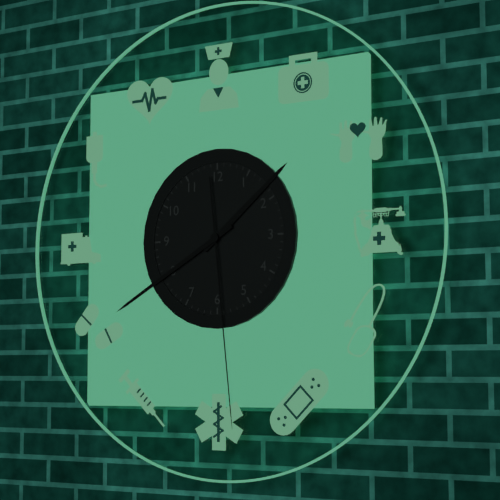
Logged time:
h=1 m=40 s=29
